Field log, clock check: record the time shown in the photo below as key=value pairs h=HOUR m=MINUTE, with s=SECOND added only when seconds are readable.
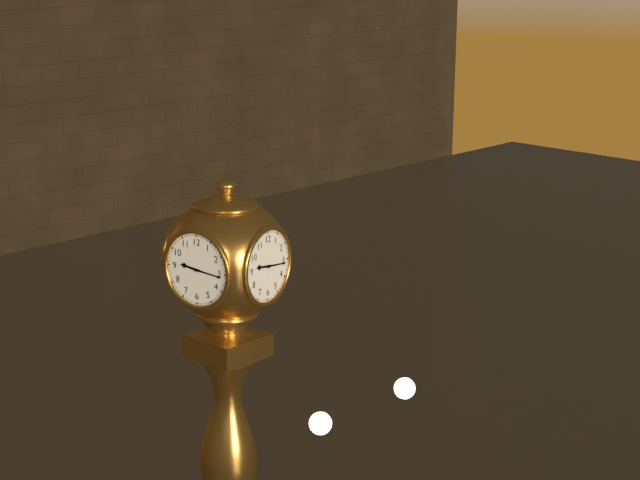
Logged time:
h=9 m=16
